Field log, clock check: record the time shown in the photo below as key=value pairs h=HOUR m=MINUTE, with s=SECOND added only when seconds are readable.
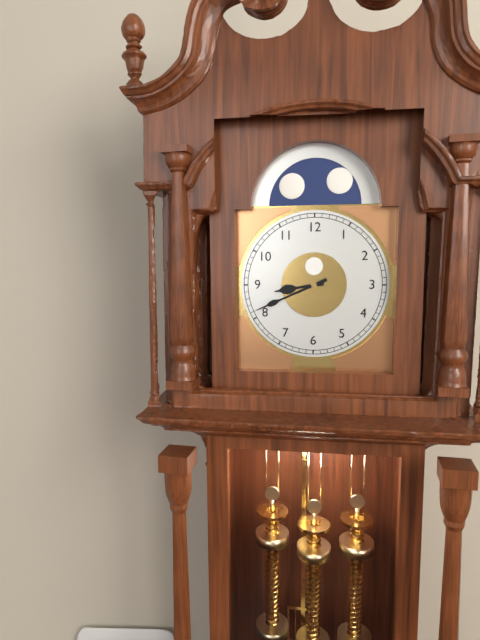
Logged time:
h=8 m=41
